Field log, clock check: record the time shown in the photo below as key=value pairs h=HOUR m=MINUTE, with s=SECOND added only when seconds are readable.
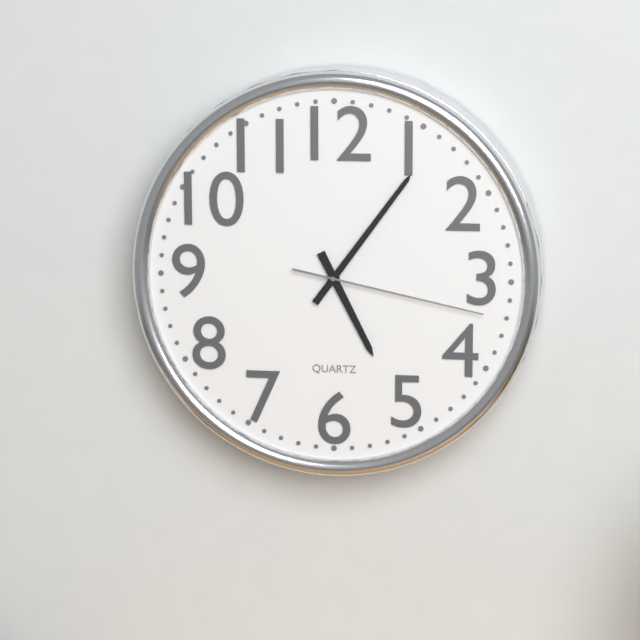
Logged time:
h=5 m=6 s=17
